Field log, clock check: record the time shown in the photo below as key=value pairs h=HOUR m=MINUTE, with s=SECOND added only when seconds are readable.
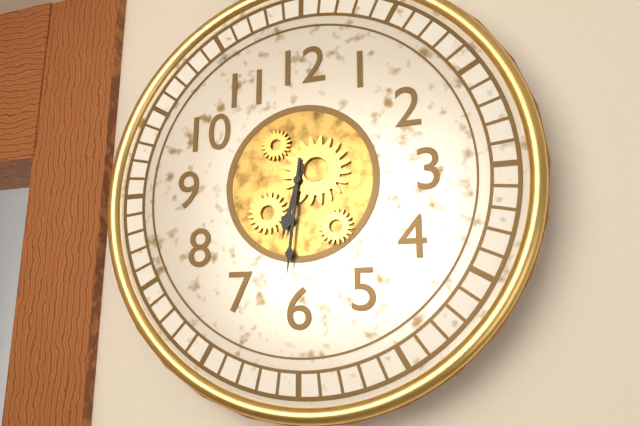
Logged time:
h=6 m=31
